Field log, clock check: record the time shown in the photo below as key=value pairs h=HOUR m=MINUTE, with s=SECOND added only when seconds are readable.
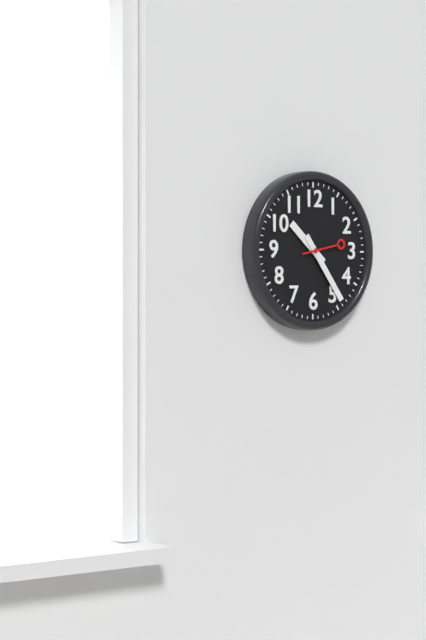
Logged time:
h=10 m=24 s=13
